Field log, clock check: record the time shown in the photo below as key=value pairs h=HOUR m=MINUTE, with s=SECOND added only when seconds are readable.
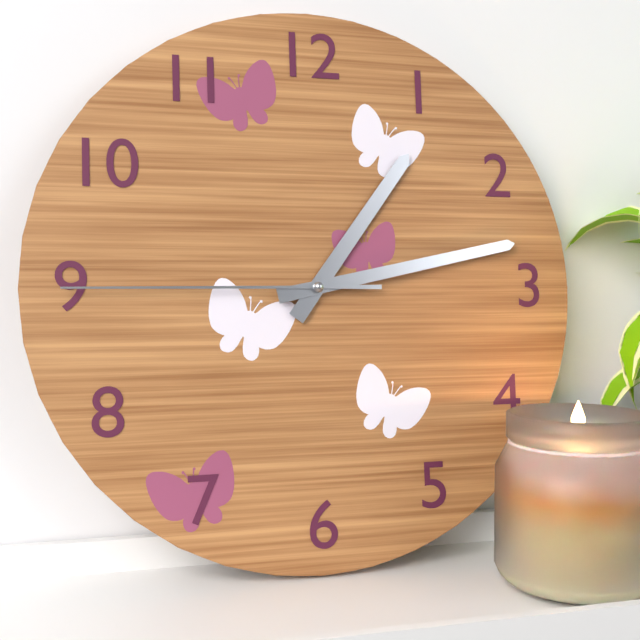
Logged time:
h=1 m=13 s=45
